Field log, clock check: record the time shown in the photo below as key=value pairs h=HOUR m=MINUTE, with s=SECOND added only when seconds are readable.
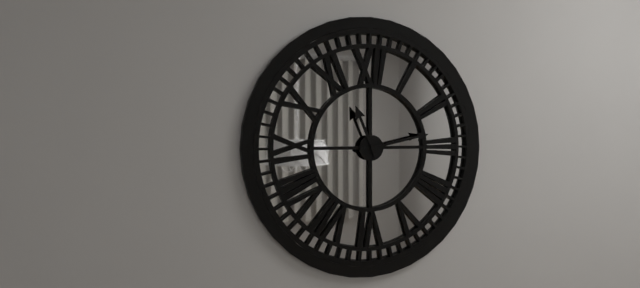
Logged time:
h=11 m=13
